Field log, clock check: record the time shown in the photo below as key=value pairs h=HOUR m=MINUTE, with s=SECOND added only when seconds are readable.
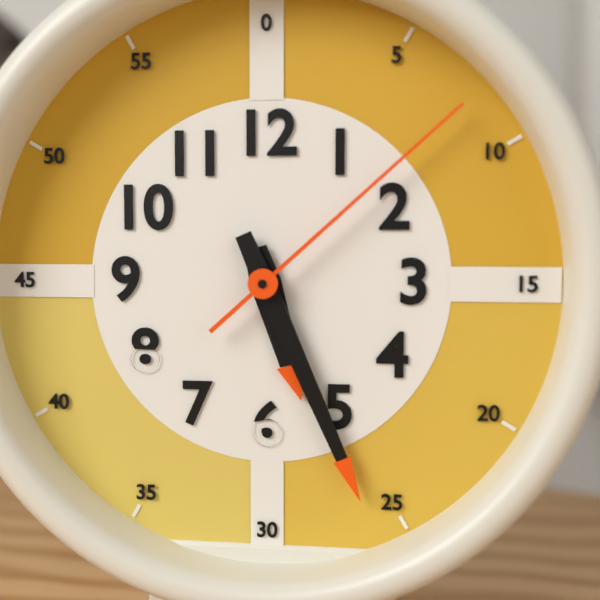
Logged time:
h=5 m=26 s=8
